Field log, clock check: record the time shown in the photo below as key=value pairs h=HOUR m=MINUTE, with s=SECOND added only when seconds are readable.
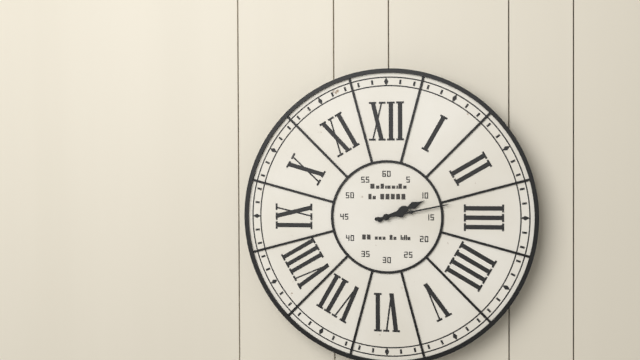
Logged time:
h=2 m=13
